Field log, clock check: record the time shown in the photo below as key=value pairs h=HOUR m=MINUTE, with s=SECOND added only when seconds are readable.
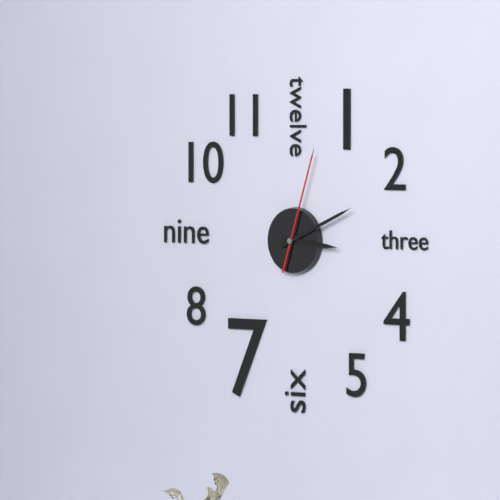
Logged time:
h=3 m=11 s=3
